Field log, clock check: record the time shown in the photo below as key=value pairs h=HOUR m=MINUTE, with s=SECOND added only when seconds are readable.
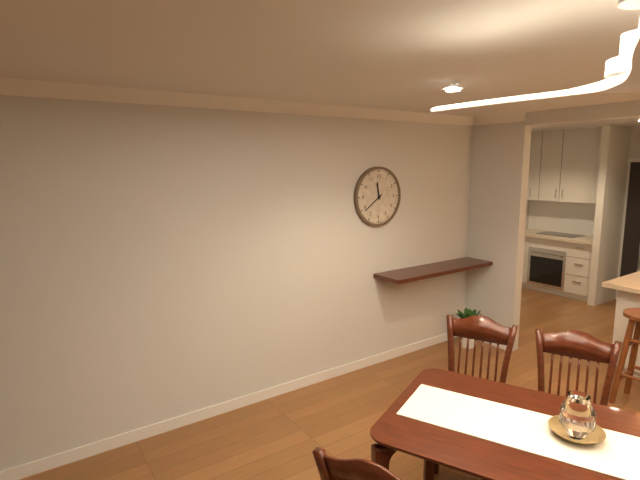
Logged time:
h=11 m=39
